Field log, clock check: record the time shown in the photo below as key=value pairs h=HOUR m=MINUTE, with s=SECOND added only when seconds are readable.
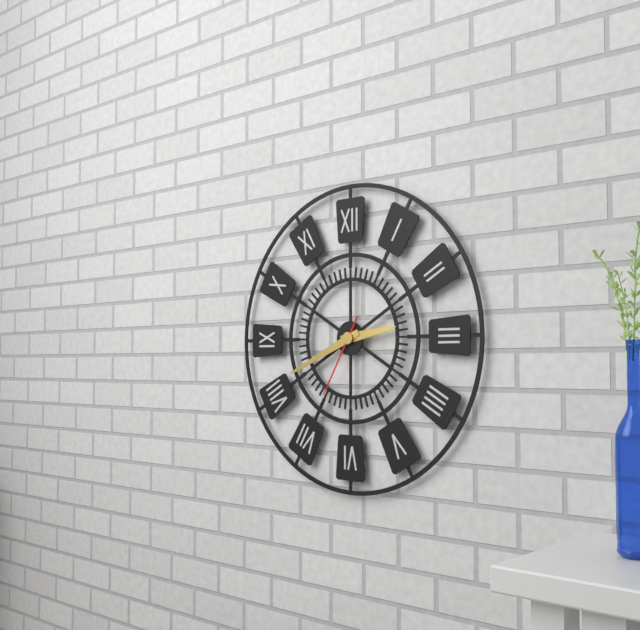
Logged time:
h=2 m=41 s=35
